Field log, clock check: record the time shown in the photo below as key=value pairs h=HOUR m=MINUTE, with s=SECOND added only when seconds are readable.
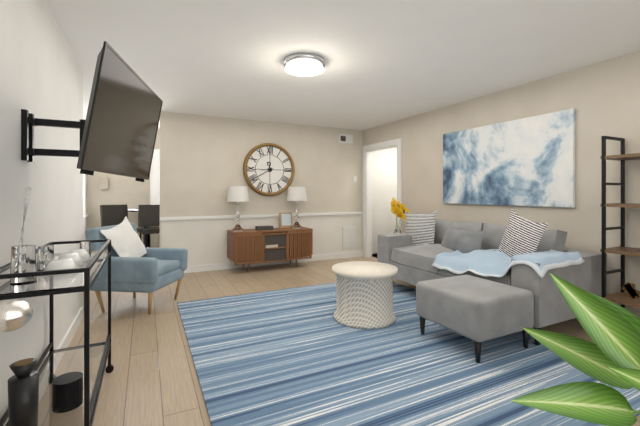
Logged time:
h=11 m=40
